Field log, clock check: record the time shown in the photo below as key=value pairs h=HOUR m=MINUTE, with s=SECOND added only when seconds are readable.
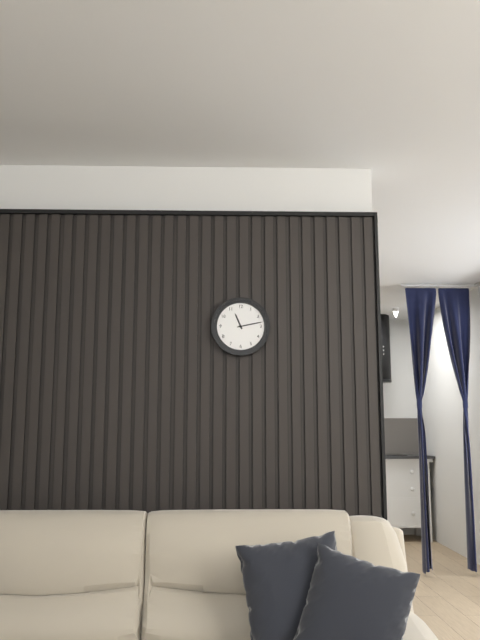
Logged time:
h=11 m=13
